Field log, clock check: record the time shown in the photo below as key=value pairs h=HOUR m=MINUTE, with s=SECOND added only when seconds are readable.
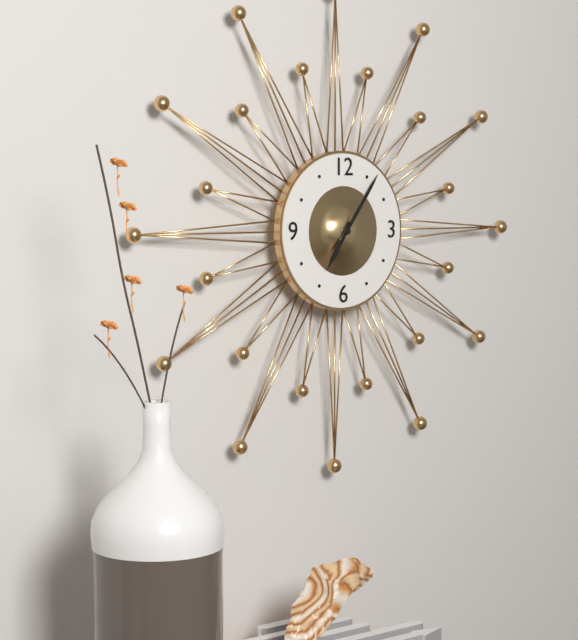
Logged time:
h=7 m=6
